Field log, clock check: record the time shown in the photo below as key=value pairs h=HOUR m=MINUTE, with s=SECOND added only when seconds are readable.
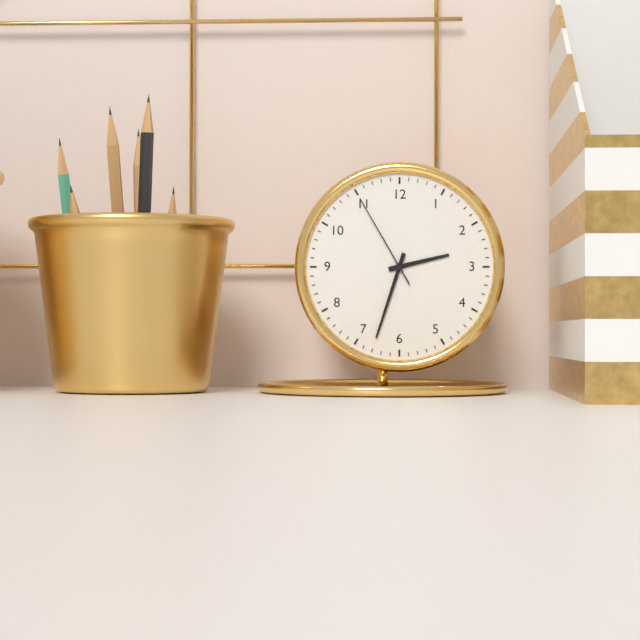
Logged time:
h=2 m=33 s=55
